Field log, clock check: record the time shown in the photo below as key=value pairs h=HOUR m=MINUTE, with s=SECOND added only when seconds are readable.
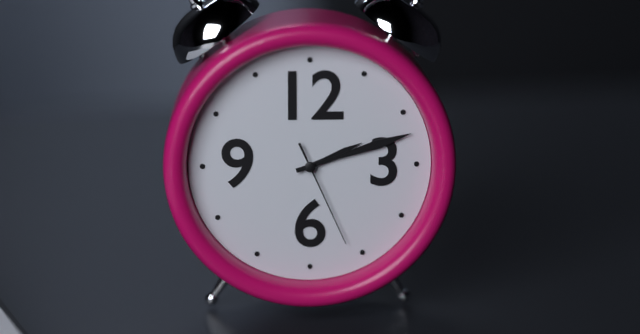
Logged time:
h=2 m=12 s=26
